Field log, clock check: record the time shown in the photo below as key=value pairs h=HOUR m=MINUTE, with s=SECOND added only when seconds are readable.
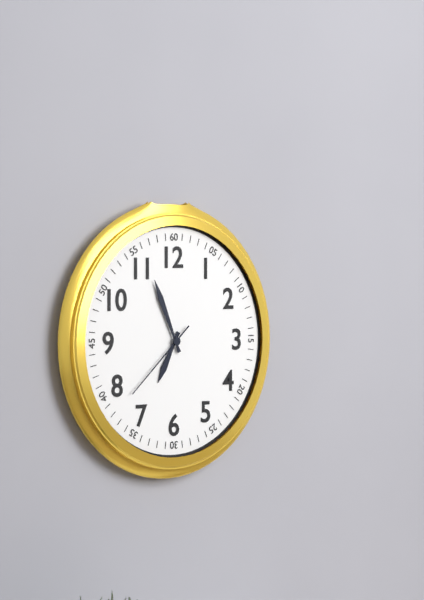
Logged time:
h=6 m=56 s=38
